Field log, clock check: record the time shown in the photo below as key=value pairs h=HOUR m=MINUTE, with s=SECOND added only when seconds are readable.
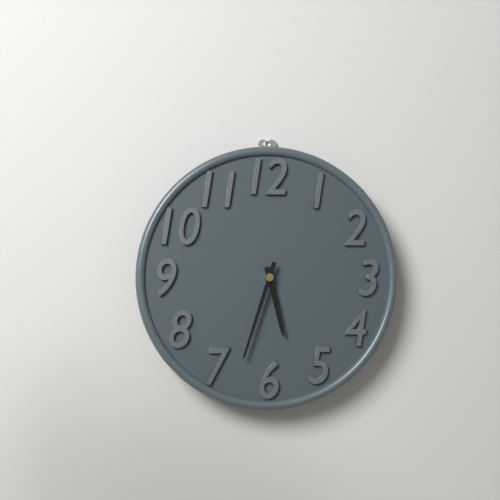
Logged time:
h=5 m=33
